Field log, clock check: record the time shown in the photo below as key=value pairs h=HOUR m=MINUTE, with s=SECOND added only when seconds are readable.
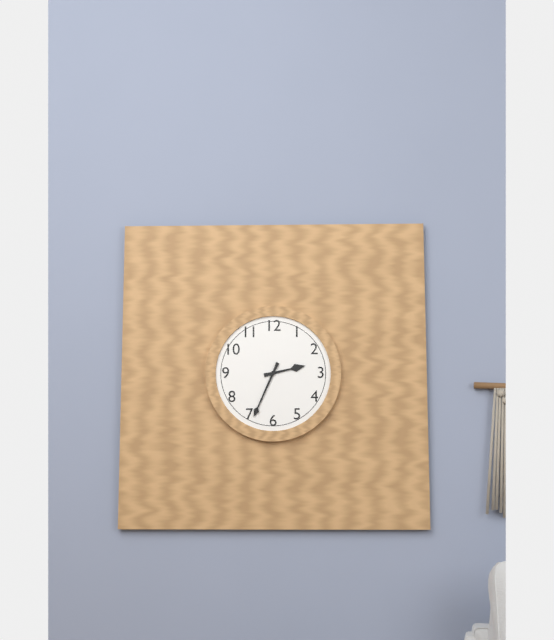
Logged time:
h=2 m=34
